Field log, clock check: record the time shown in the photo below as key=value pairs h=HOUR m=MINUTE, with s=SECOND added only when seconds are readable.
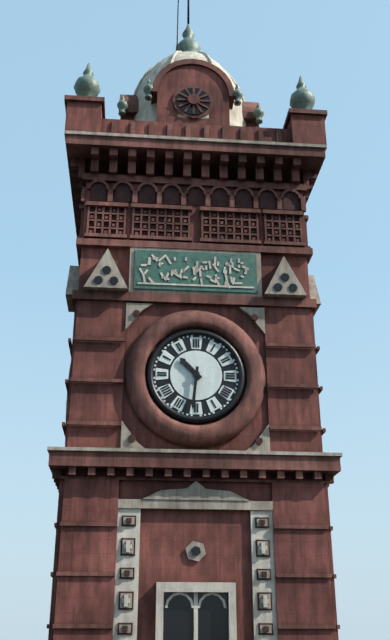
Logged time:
h=10 m=31
